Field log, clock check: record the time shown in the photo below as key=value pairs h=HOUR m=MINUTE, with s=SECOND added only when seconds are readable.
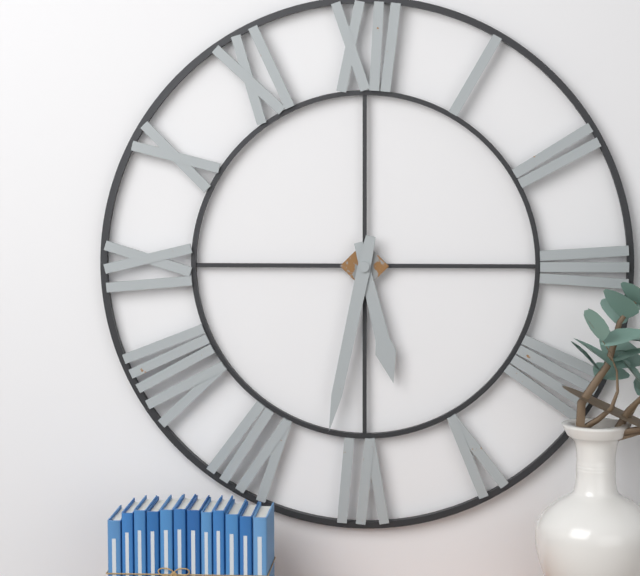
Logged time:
h=5 m=32
